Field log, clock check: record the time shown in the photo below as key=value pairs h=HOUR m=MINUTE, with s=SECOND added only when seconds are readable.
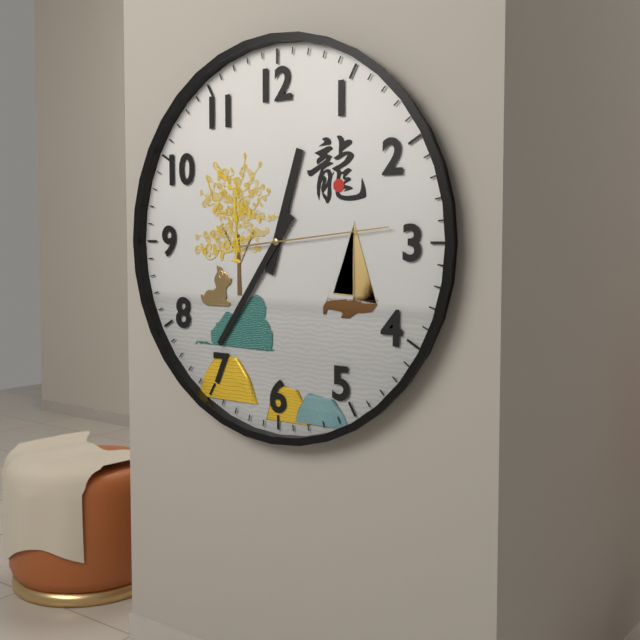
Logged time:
h=12 m=36 s=14
